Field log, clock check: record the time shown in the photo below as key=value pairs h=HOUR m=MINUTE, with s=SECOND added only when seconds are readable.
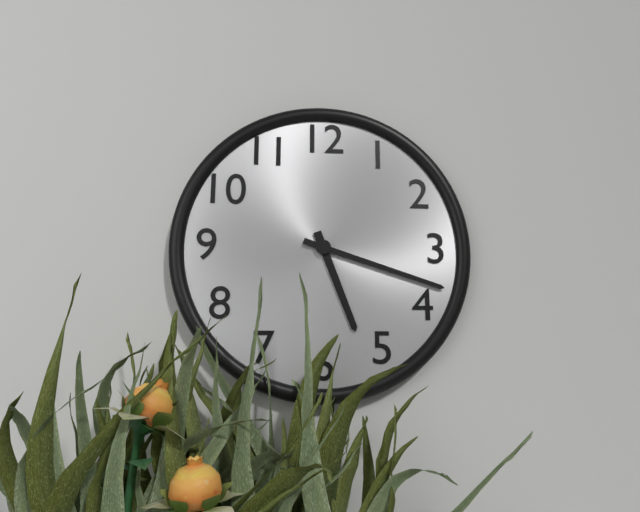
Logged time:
h=5 m=18
